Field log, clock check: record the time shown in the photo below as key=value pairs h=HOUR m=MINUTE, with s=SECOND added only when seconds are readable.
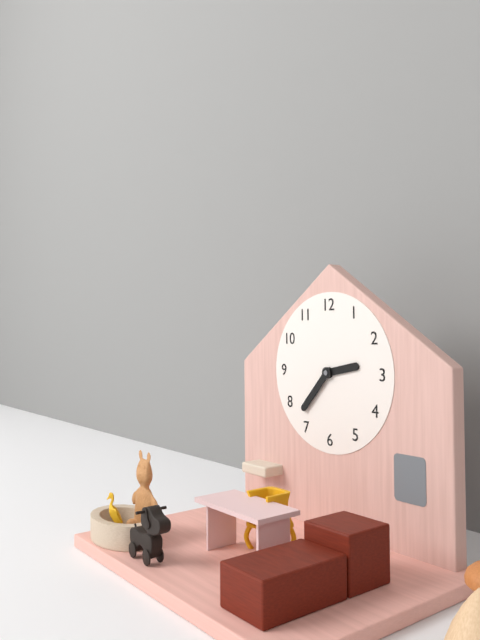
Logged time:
h=2 m=37
